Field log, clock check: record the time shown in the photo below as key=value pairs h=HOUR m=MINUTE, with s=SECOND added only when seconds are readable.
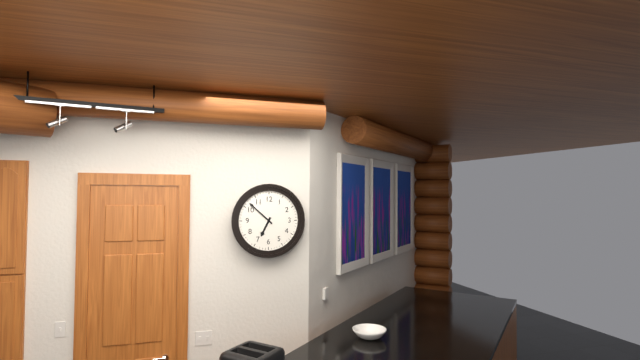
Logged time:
h=6 m=52
